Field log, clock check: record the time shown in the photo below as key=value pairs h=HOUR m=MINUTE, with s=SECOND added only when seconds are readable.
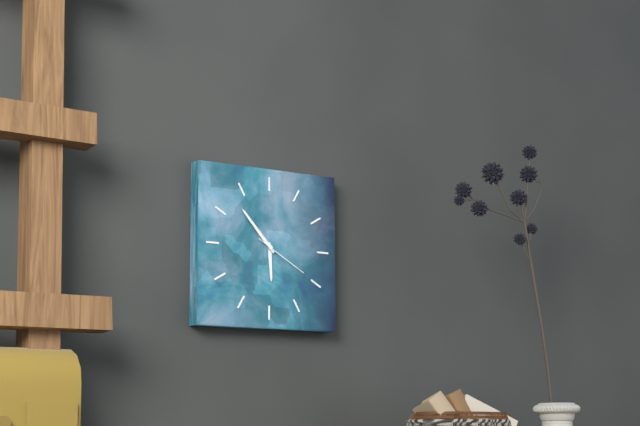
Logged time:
h=5 m=53 s=20
